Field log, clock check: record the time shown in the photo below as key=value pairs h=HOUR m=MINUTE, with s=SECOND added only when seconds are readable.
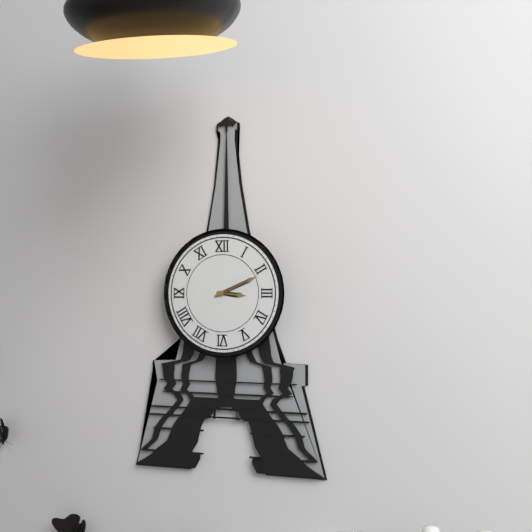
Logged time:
h=3 m=11
